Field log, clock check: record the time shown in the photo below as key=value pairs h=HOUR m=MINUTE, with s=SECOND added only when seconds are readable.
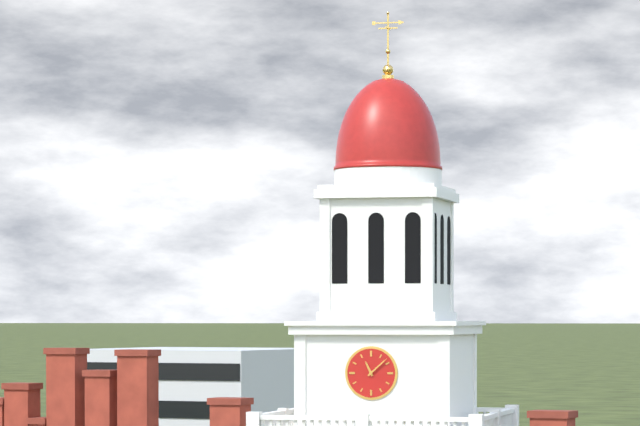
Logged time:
h=11 m=8
